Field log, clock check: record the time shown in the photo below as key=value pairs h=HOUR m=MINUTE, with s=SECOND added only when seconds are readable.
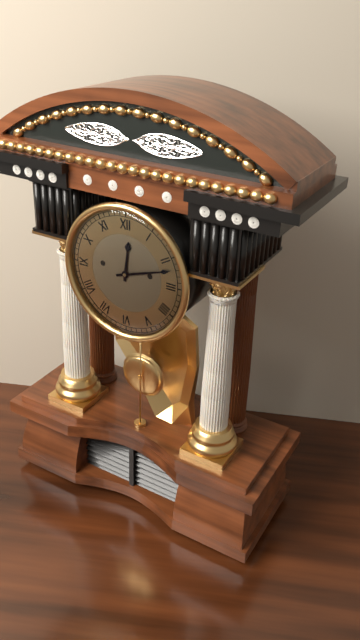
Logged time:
h=12 m=12
